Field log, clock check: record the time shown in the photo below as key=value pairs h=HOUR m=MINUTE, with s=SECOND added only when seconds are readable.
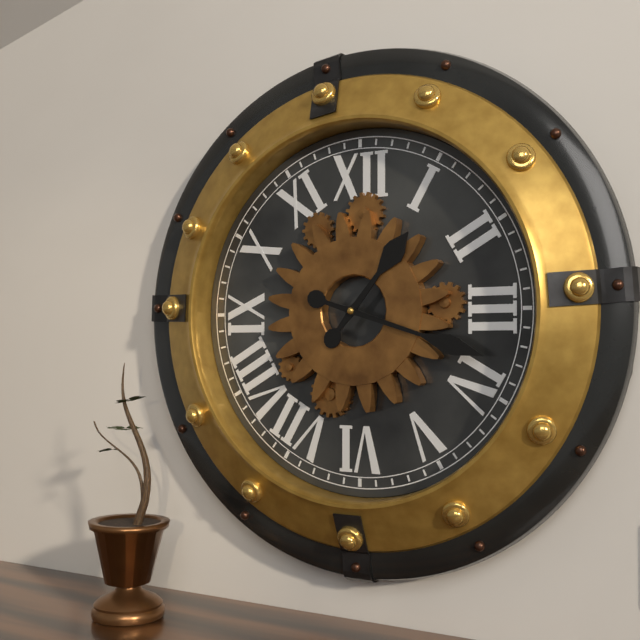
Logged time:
h=1 m=18
